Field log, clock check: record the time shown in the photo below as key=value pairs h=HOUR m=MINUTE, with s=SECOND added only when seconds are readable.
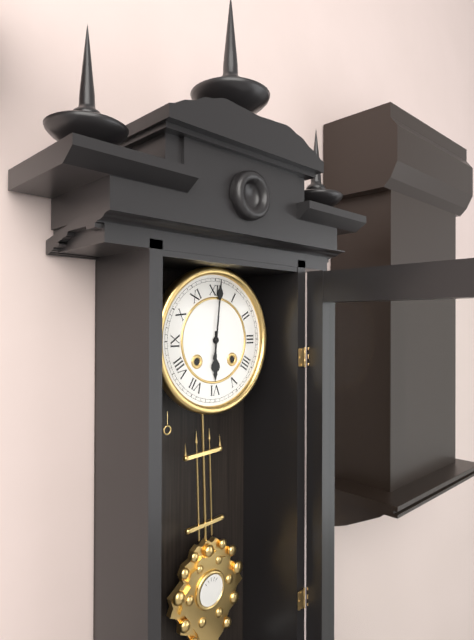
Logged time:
h=6 m=1
